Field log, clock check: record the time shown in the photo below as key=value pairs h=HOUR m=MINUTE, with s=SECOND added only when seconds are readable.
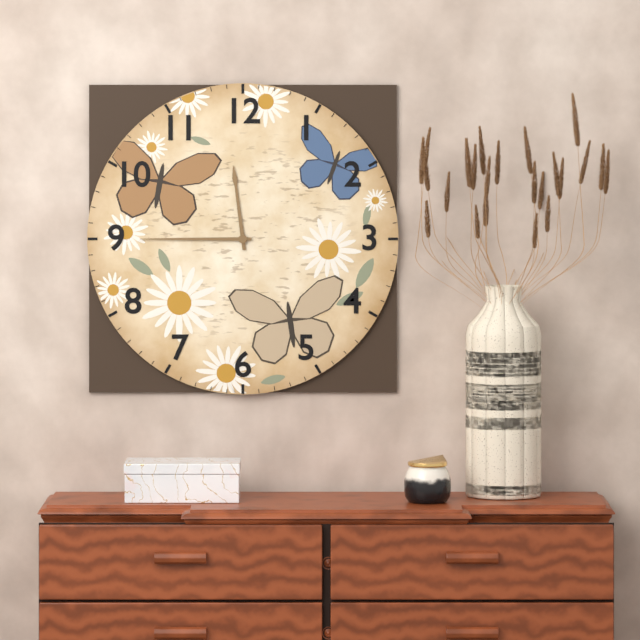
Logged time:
h=11 m=45
